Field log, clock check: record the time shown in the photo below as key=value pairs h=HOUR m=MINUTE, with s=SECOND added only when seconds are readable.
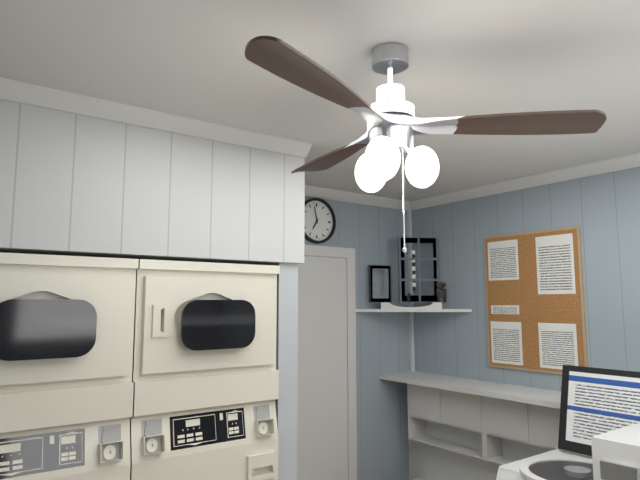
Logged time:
h=6 m=58
